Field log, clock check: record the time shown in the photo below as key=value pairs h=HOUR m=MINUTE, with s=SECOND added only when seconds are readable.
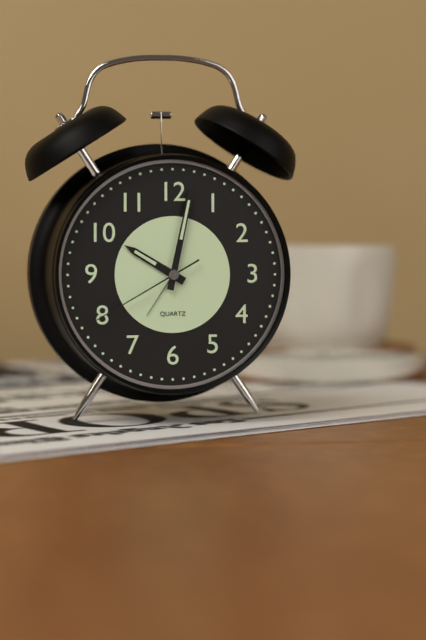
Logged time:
h=10 m=2 s=40
